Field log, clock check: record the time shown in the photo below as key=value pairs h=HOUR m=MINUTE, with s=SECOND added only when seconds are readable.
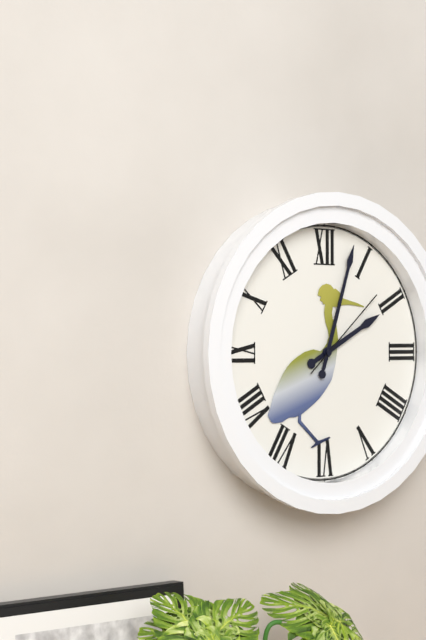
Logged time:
h=2 m=3 s=8
